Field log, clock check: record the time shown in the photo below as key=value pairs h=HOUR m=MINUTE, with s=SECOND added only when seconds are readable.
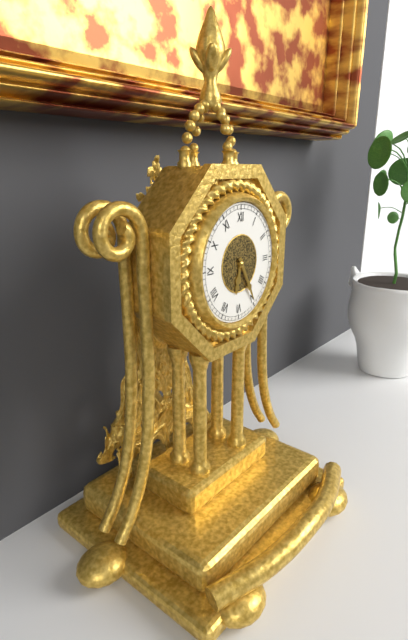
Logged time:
h=6 m=25
